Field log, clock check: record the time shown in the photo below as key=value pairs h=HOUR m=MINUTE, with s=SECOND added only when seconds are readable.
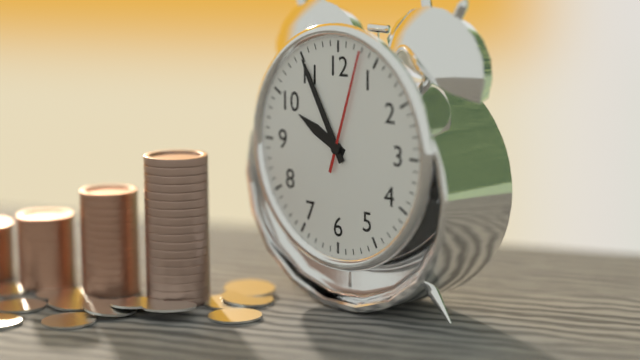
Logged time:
h=9 m=55 s=3
